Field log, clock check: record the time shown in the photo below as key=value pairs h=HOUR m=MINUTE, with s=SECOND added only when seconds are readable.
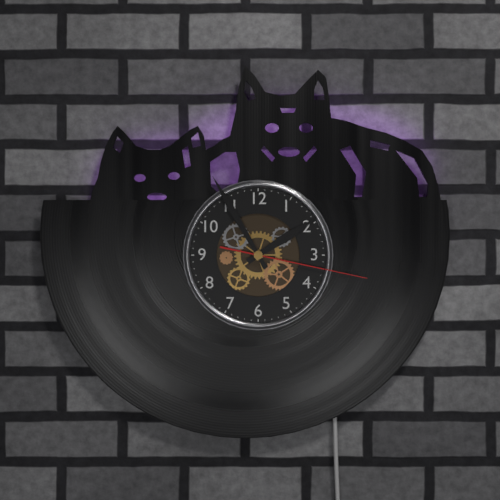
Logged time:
h=1 m=55 s=17
